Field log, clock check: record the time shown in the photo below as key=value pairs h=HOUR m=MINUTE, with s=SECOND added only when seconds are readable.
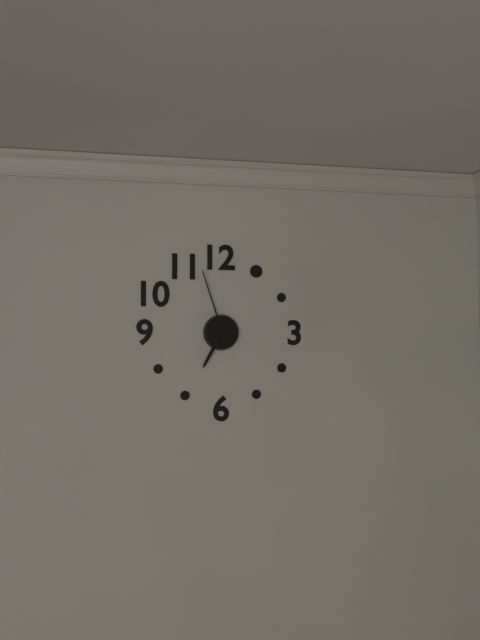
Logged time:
h=6 m=57
